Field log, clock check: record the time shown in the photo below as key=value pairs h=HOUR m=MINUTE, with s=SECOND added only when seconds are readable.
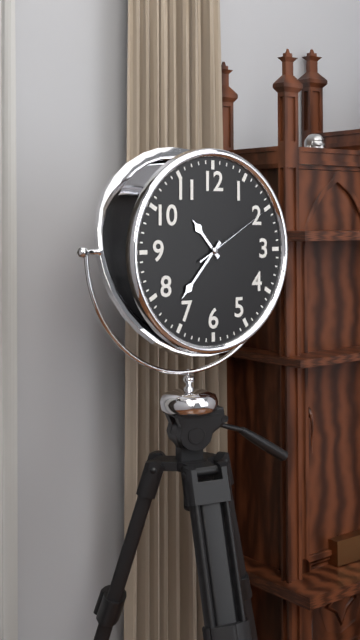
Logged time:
h=10 m=37 s=10
